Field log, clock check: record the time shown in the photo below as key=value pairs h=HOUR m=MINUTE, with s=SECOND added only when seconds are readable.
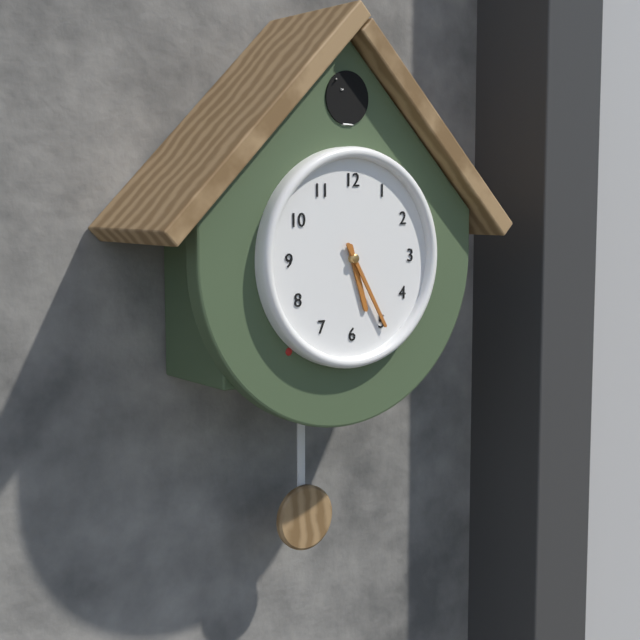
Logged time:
h=5 m=25
